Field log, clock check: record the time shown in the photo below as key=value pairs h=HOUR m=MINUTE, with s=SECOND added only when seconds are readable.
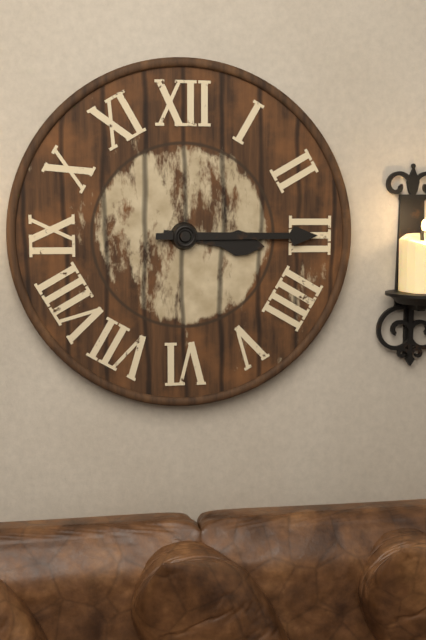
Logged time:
h=3 m=15
